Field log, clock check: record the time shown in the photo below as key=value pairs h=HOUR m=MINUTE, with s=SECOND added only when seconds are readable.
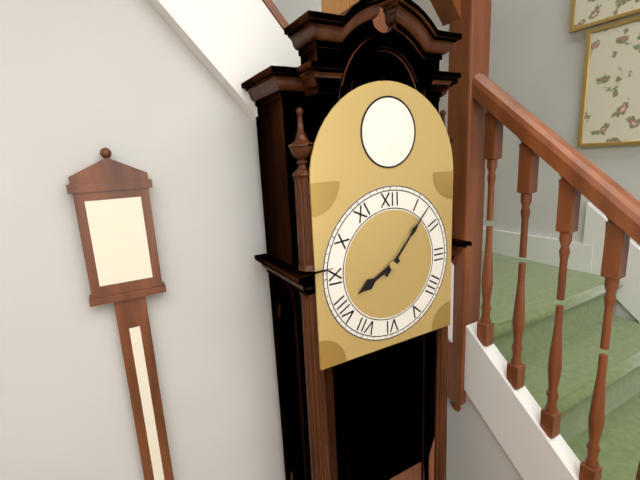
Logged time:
h=8 m=7
